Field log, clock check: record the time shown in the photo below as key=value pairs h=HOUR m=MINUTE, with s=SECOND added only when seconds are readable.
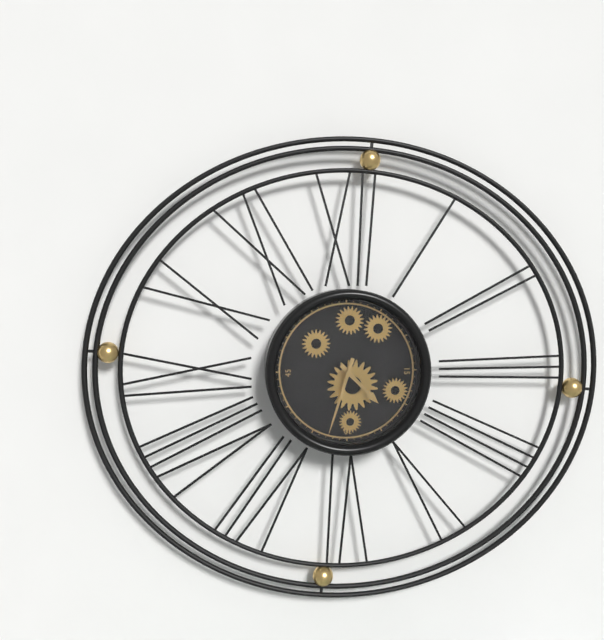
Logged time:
h=4 m=33
